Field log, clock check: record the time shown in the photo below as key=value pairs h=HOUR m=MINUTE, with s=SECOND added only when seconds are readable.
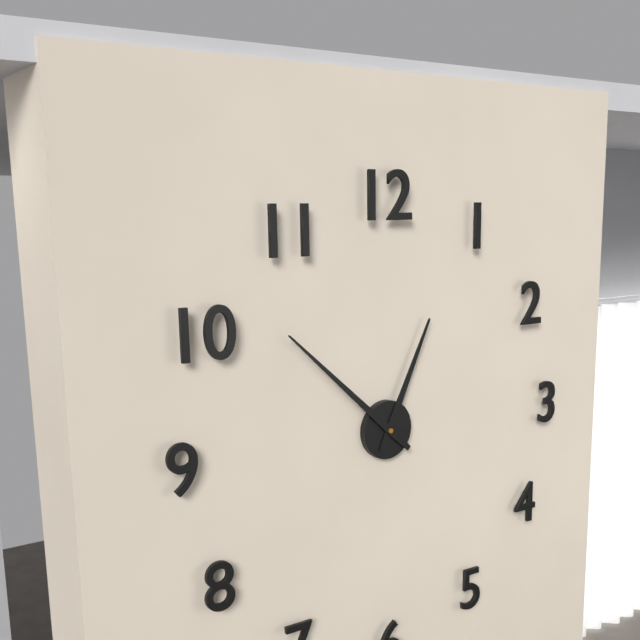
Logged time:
h=12 m=52
